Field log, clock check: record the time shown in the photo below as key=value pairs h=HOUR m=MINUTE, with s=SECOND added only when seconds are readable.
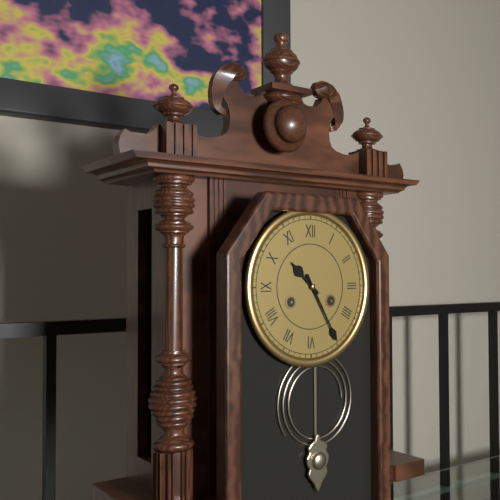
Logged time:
h=10 m=25
